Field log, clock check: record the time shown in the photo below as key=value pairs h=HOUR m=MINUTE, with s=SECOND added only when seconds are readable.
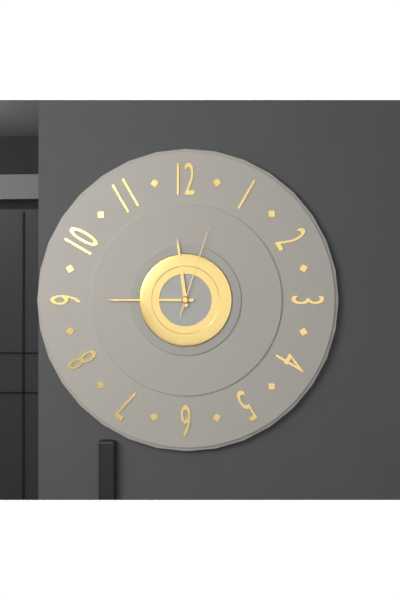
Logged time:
h=11 m=45 s=3
